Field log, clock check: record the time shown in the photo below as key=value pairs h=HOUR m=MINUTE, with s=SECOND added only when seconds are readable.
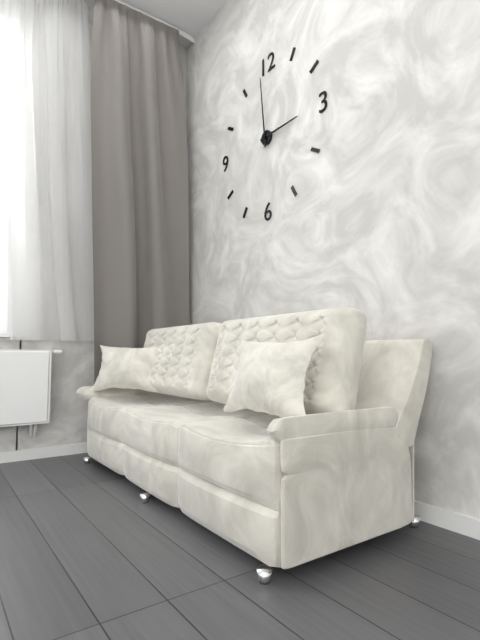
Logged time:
h=2 m=59
